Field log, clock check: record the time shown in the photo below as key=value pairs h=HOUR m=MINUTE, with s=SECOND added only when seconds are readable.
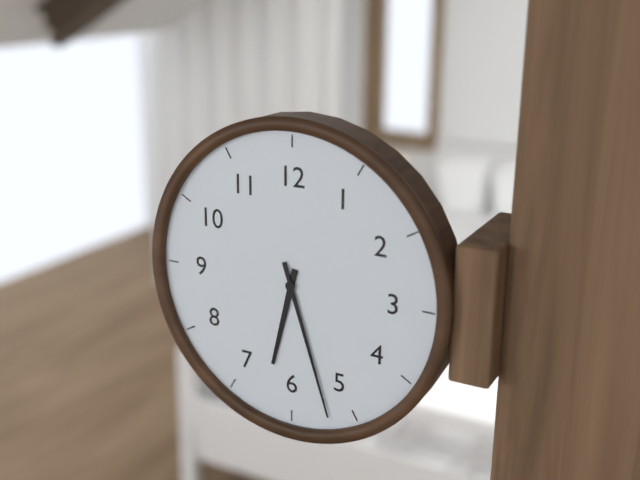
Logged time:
h=6 m=27
